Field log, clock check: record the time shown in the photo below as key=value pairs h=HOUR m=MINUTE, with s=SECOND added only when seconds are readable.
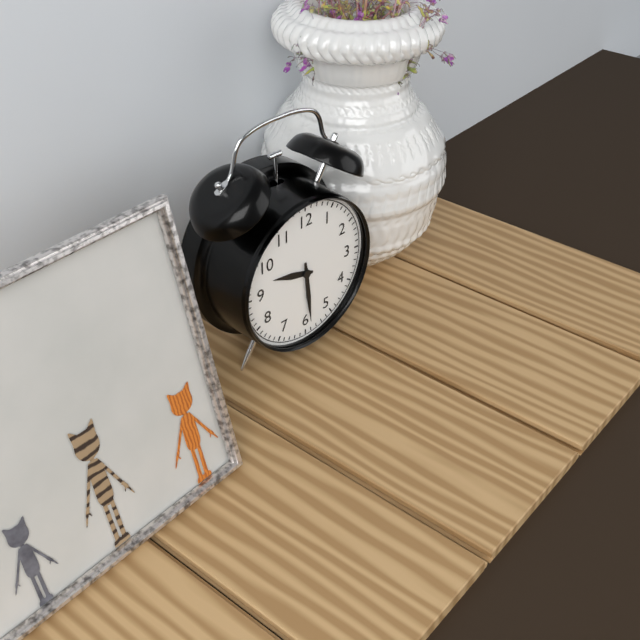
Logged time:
h=9 m=29
